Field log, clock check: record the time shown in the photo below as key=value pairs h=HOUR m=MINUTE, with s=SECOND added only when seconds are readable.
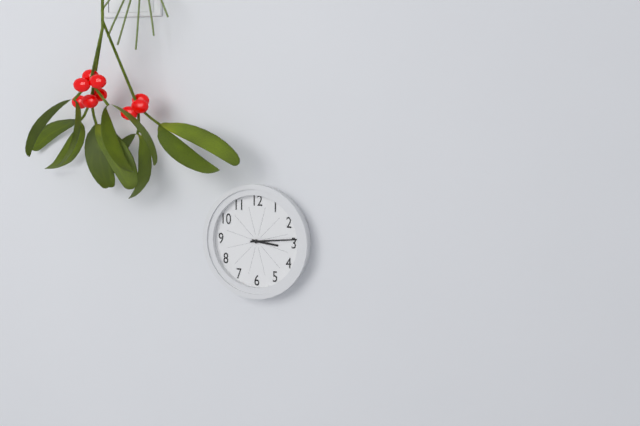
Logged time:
h=3 m=14
